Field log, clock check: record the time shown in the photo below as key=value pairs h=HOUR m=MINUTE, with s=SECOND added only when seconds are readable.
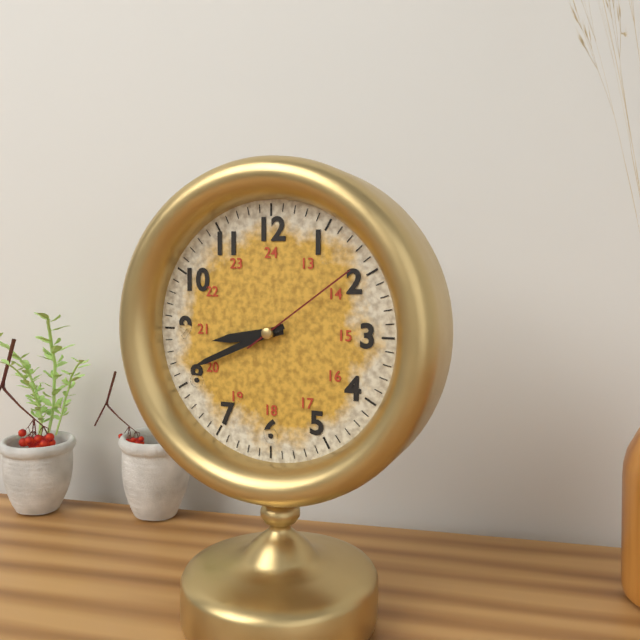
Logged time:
h=8 m=41 s=9
